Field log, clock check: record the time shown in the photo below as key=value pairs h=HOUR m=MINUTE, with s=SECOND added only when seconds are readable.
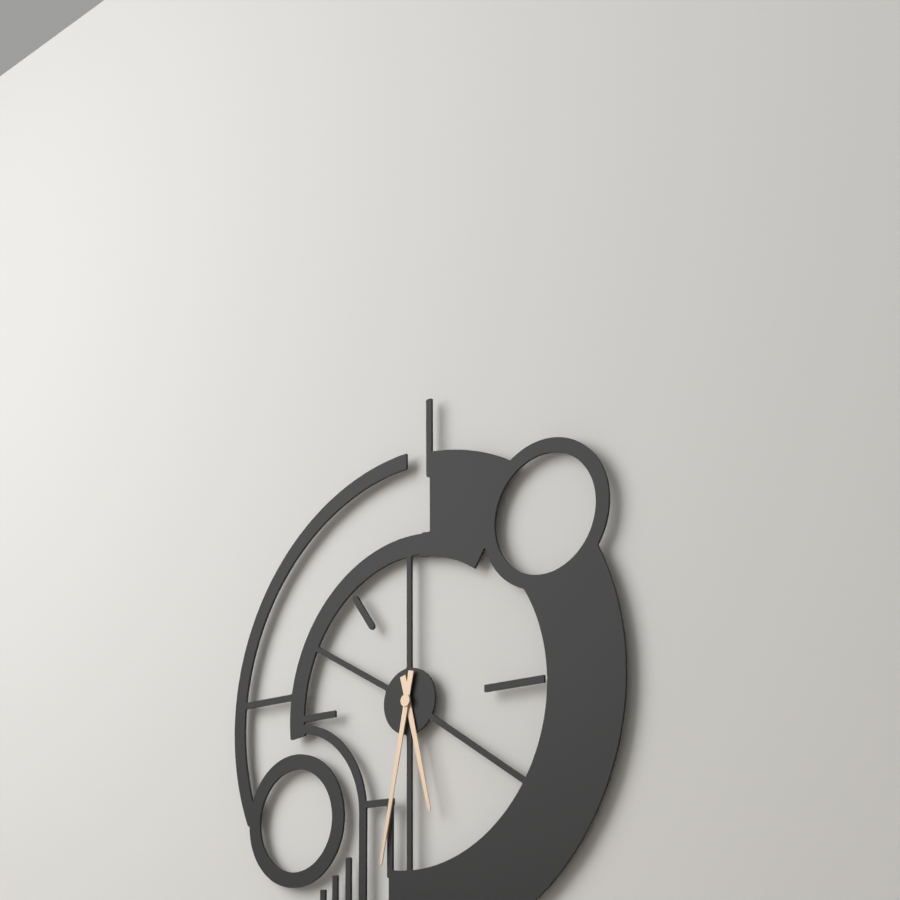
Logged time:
h=5 m=32
